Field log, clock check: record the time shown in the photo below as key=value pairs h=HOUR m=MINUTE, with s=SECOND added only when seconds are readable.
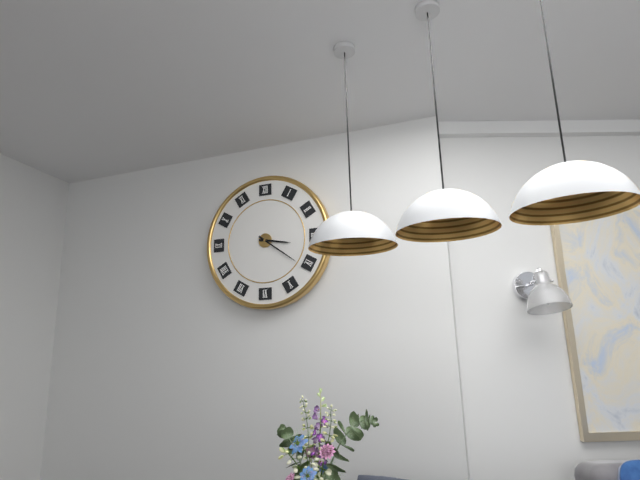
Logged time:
h=3 m=21
